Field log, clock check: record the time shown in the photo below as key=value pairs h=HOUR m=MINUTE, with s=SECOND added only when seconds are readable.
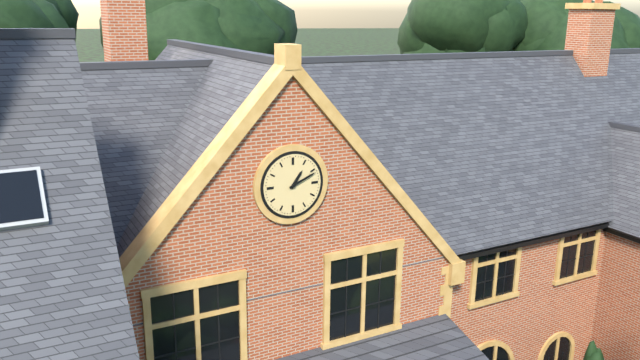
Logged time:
h=1 m=11
